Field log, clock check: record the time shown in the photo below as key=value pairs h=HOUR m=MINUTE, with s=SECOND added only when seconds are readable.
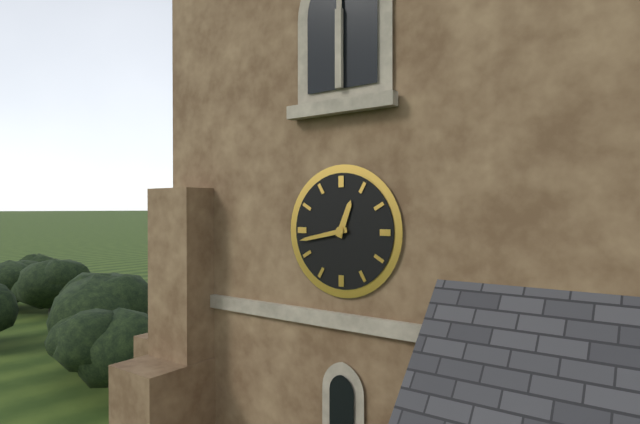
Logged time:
h=12 m=43
